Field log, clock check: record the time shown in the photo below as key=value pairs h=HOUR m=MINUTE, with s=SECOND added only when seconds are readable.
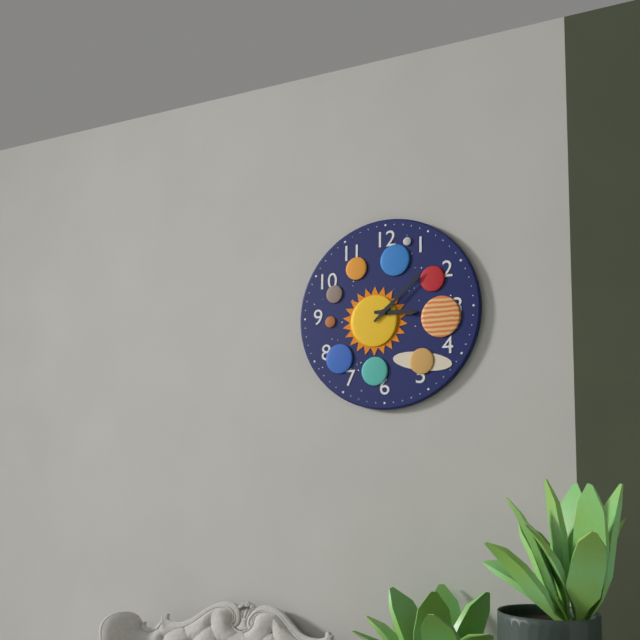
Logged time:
h=3 m=8
